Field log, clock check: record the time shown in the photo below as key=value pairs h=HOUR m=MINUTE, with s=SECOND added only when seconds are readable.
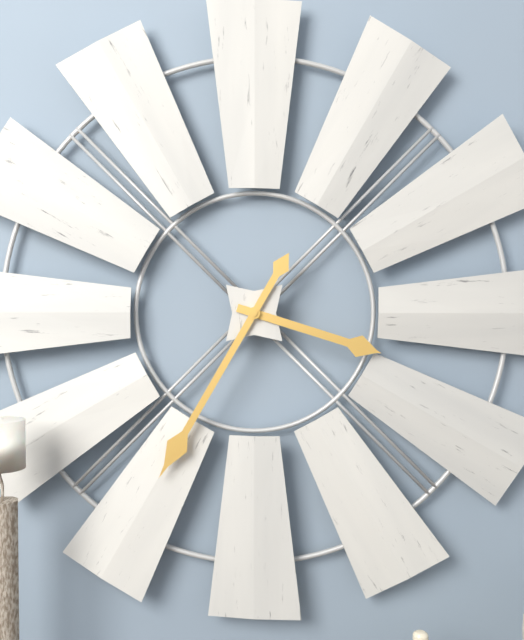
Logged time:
h=3 m=35
